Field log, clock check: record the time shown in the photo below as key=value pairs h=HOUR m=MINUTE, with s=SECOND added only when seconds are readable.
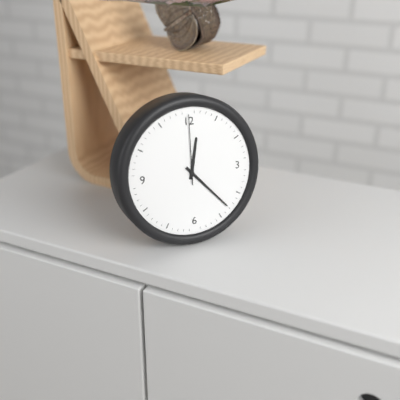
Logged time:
h=12 m=23 s=0
